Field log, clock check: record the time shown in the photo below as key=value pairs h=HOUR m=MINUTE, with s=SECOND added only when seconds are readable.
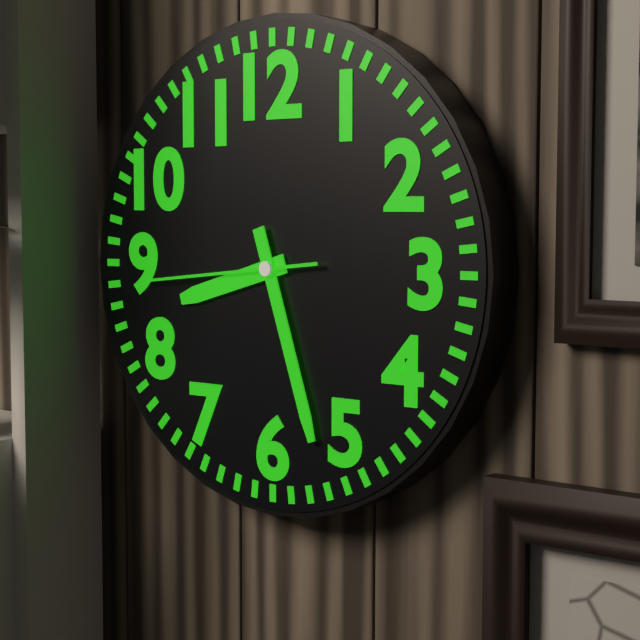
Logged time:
h=8 m=27 s=44
